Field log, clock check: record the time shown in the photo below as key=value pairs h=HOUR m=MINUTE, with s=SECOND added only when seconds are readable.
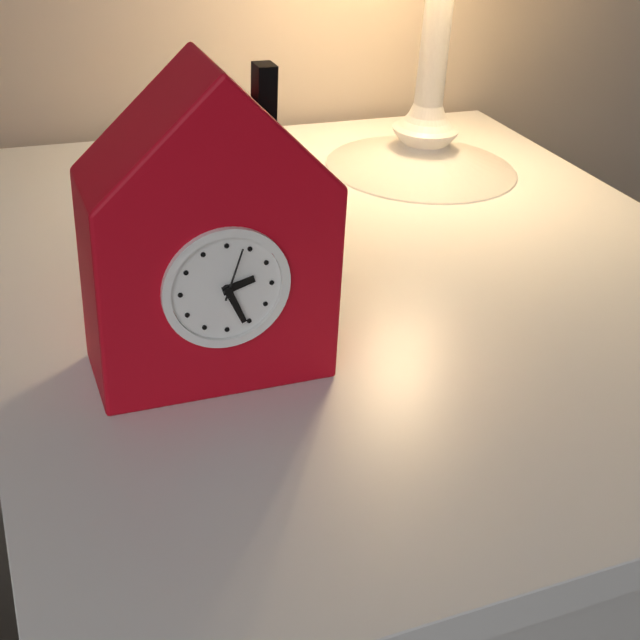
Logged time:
h=2 m=26 s=3
